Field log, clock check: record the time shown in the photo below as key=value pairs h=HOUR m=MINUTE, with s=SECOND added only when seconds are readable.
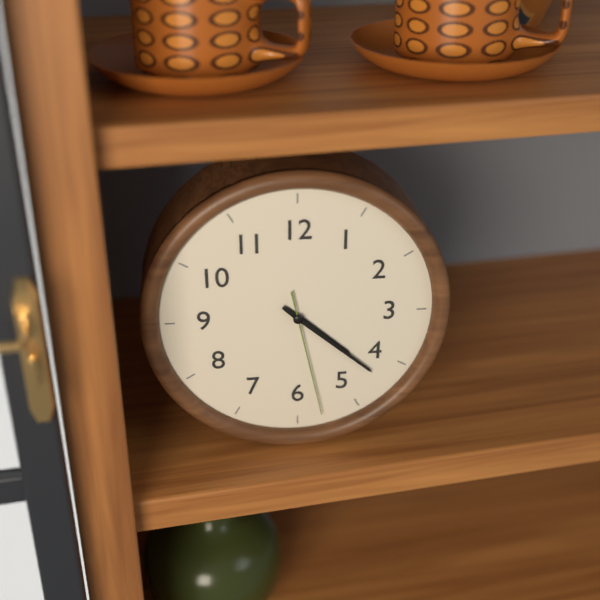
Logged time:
h=4 m=22 s=28
